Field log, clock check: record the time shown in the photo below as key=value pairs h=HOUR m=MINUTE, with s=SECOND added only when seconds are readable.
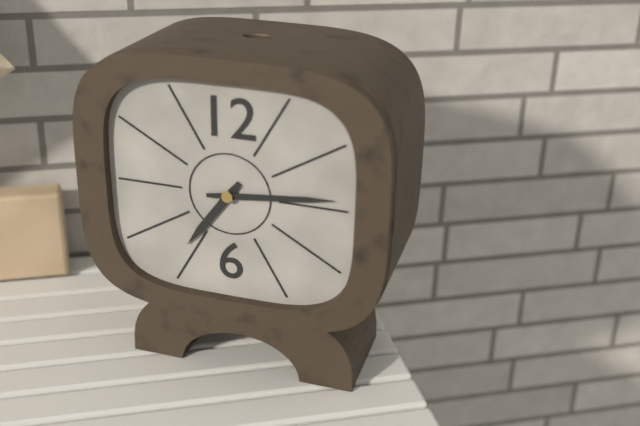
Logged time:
h=7 m=14
